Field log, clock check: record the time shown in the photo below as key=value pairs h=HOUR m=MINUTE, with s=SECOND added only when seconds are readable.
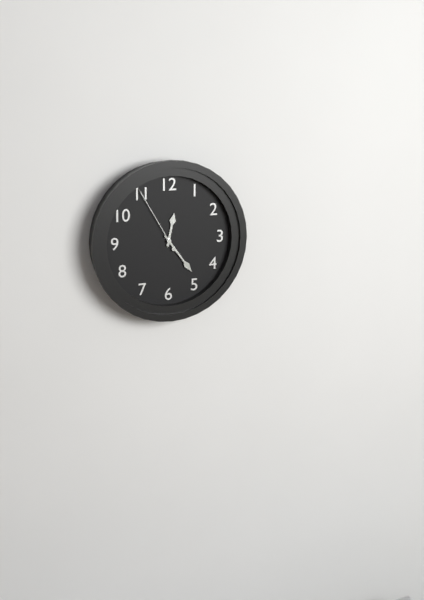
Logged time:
h=12 m=24 s=55
